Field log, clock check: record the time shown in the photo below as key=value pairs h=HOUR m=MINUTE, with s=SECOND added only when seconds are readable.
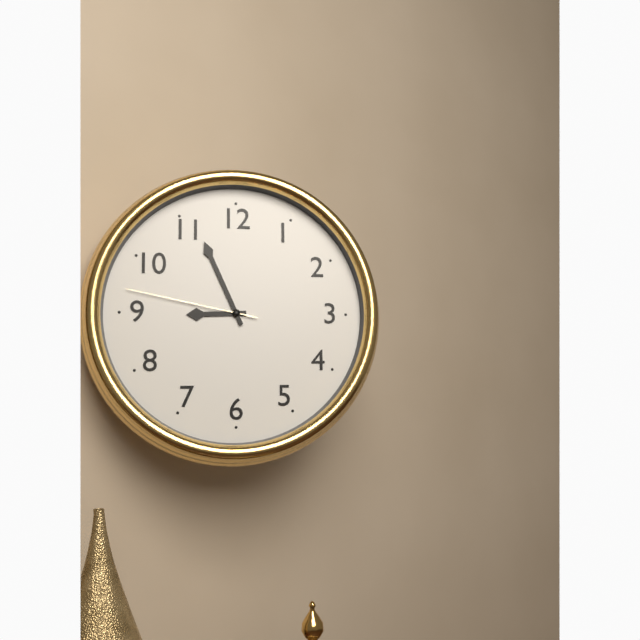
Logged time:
h=8 m=56 s=47
